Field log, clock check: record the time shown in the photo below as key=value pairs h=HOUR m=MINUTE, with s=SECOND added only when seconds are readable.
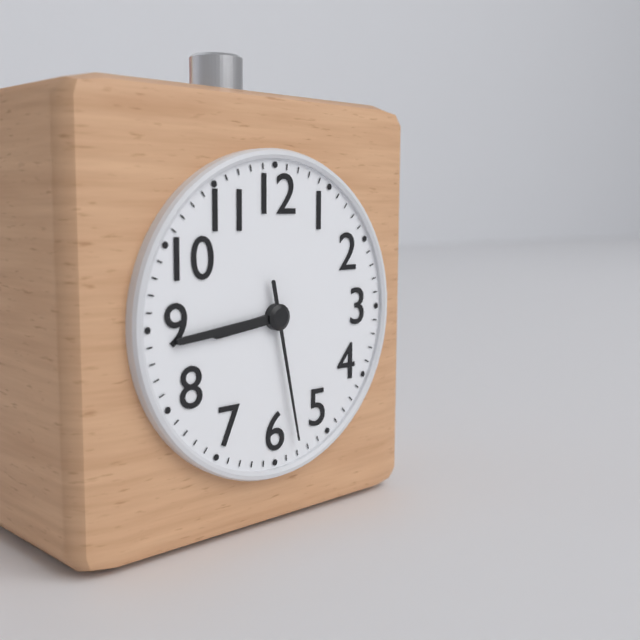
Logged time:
h=8 m=44 s=28
